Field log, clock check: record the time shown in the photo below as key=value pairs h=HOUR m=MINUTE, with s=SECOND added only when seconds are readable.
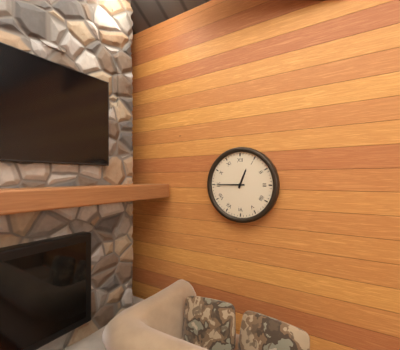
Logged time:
h=12 m=45
